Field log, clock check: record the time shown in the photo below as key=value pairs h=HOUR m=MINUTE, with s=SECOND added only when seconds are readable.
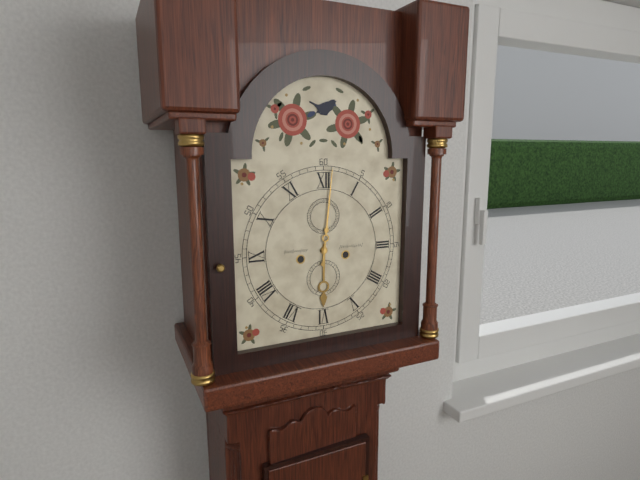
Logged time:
h=6 m=1
